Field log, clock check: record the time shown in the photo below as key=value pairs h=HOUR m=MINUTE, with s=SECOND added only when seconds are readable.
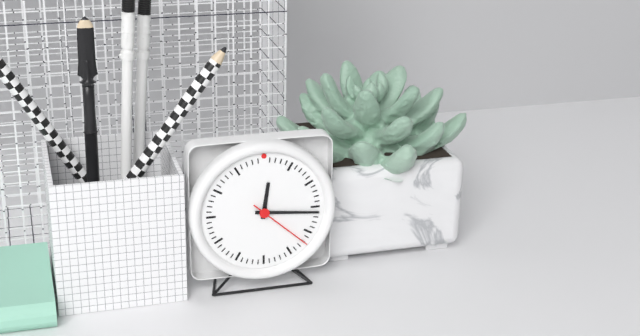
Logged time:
h=12 m=16 s=22
